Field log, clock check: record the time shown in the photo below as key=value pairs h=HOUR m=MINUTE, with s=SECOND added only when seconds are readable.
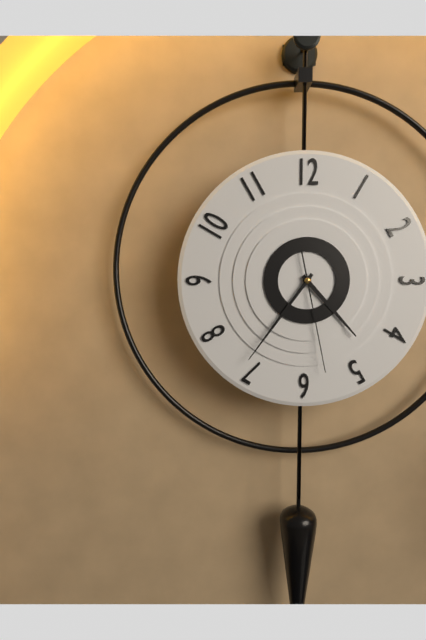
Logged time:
h=4 m=36 s=28
